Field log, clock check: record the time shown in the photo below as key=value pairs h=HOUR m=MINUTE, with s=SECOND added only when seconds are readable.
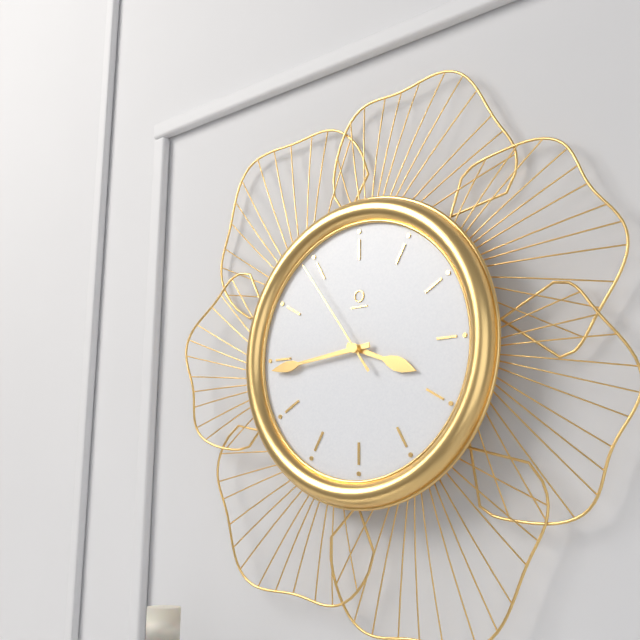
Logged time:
h=3 m=44 s=54
